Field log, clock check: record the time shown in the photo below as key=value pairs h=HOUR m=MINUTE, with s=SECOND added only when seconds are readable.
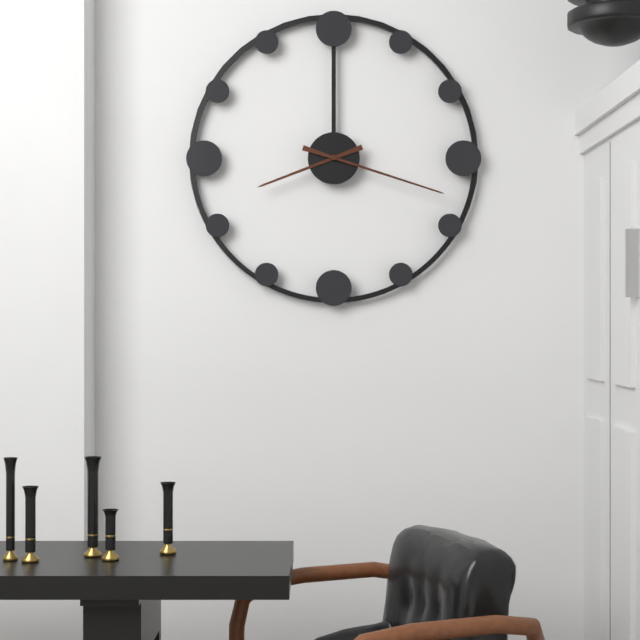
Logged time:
h=8 m=18
